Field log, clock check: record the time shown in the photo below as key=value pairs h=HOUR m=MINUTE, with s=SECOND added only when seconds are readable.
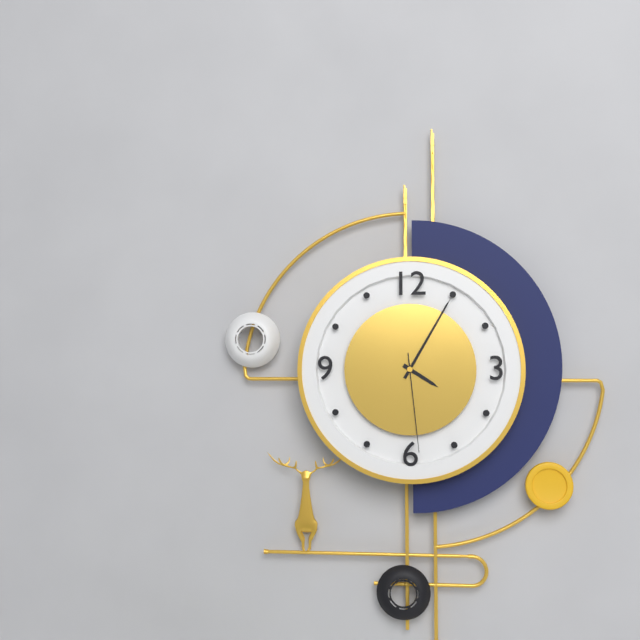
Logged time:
h=4 m=5 s=29
